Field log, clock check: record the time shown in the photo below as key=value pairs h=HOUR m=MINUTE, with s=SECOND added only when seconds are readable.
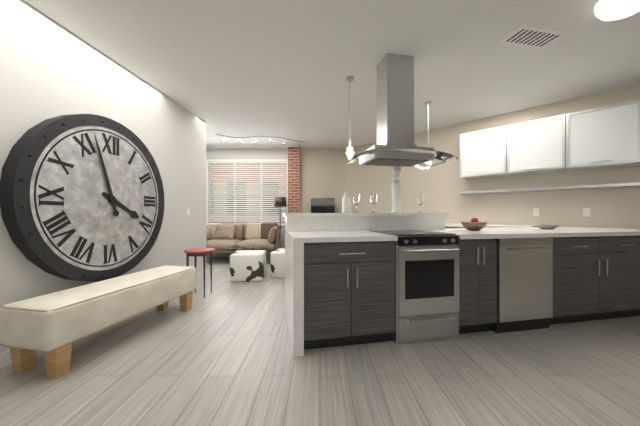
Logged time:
h=3 m=57
